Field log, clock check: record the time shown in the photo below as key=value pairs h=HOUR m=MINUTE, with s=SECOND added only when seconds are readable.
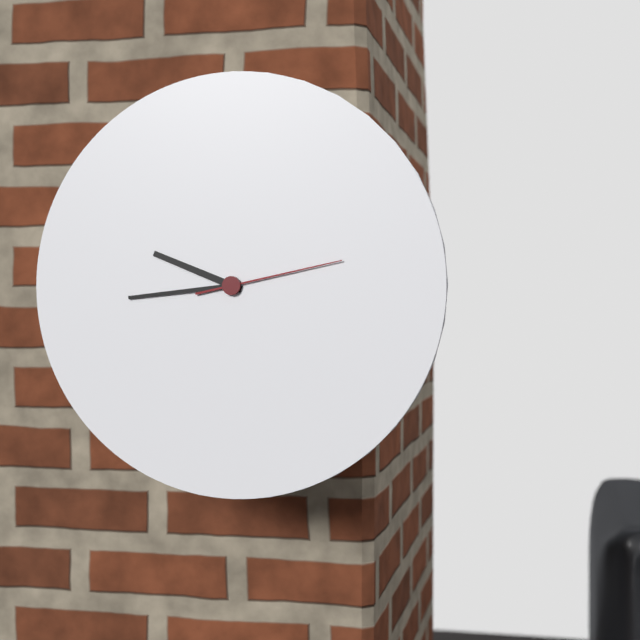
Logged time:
h=9 m=44 s=13
